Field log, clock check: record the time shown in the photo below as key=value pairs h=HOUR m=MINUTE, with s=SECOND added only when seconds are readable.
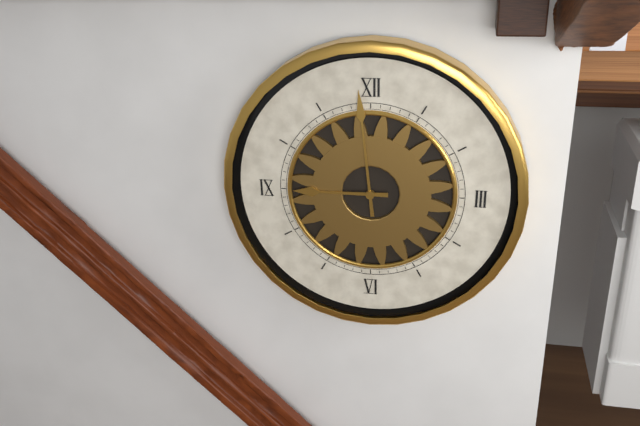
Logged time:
h=8 m=59
